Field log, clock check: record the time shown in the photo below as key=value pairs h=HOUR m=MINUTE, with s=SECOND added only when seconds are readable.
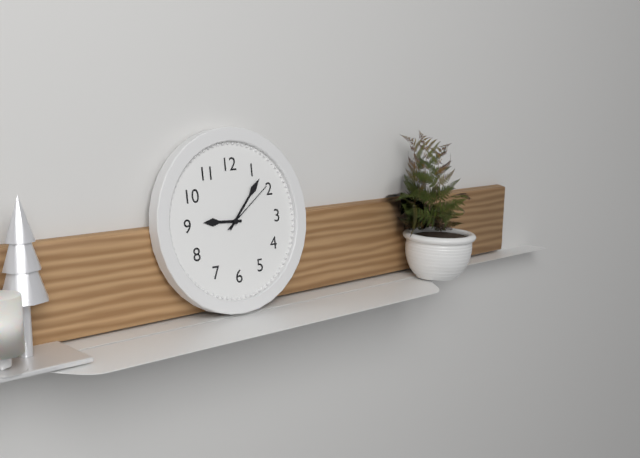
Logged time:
h=9 m=7 s=9
